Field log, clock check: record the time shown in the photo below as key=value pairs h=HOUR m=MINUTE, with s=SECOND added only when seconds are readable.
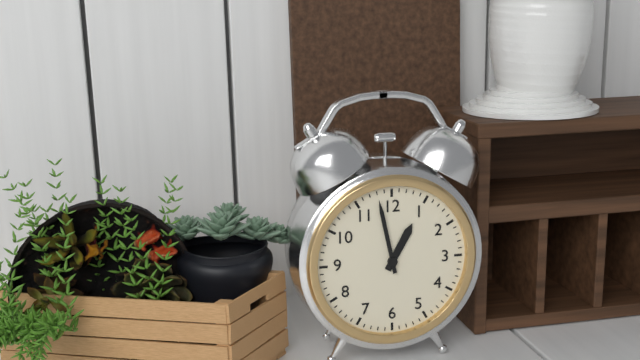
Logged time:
h=12 m=58
